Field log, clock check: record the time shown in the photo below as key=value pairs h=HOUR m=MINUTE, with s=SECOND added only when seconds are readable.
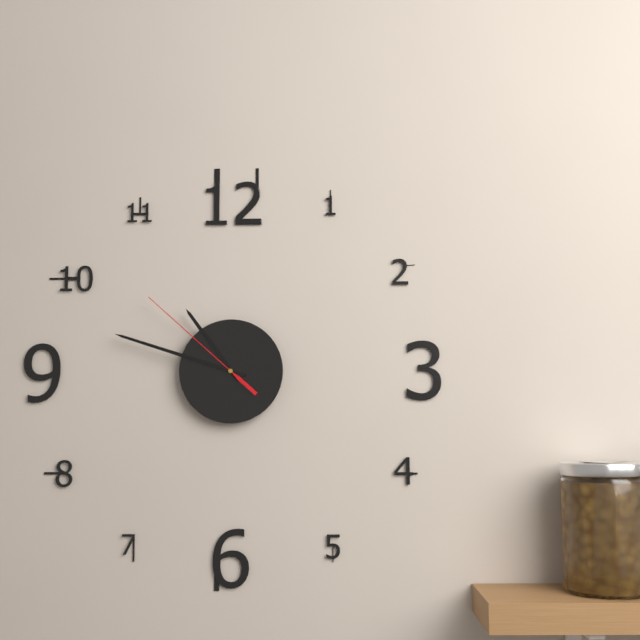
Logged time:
h=10 m=48 s=52
